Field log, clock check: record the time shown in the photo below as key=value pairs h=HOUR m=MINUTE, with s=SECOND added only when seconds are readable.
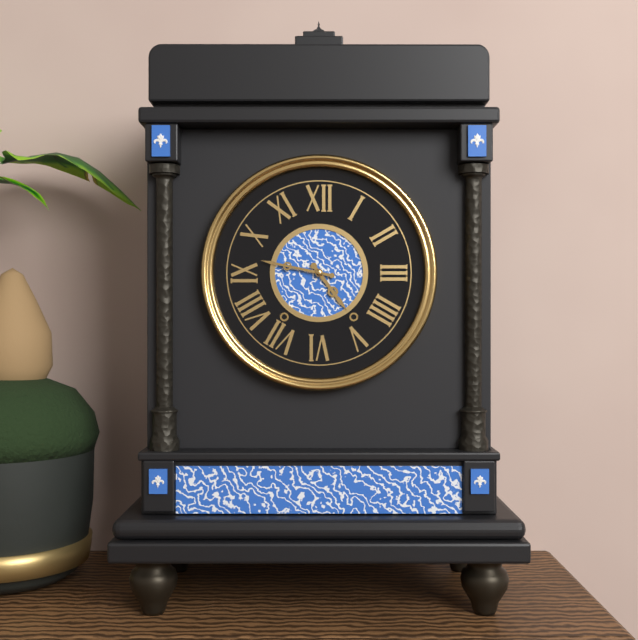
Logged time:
h=4 m=47
